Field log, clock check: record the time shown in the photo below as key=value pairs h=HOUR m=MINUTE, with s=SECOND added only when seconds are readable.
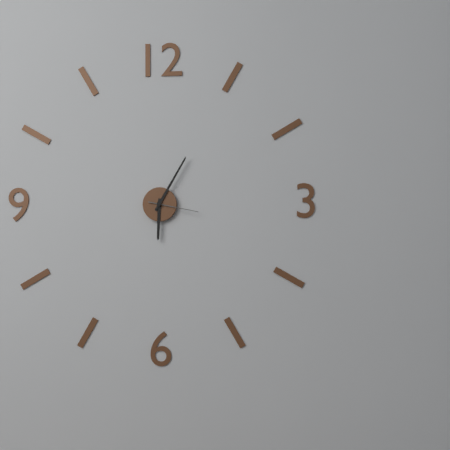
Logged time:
h=6 m=5
